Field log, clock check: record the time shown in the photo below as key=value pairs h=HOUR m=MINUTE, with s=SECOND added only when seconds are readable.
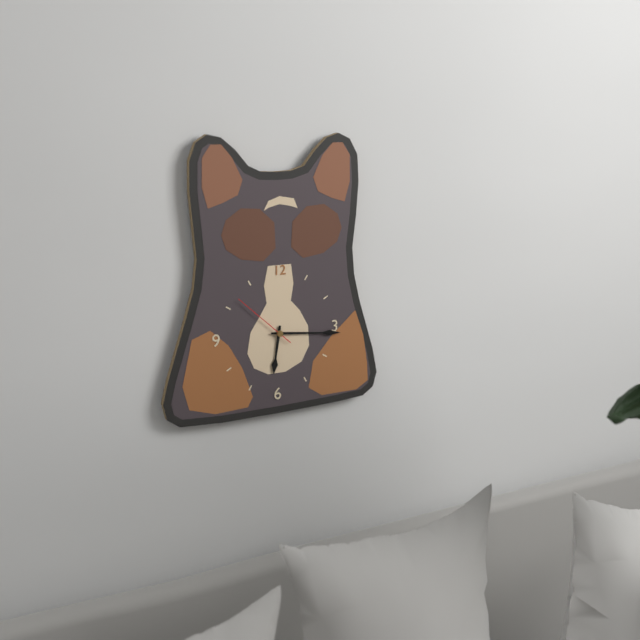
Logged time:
h=6 m=16 s=52
